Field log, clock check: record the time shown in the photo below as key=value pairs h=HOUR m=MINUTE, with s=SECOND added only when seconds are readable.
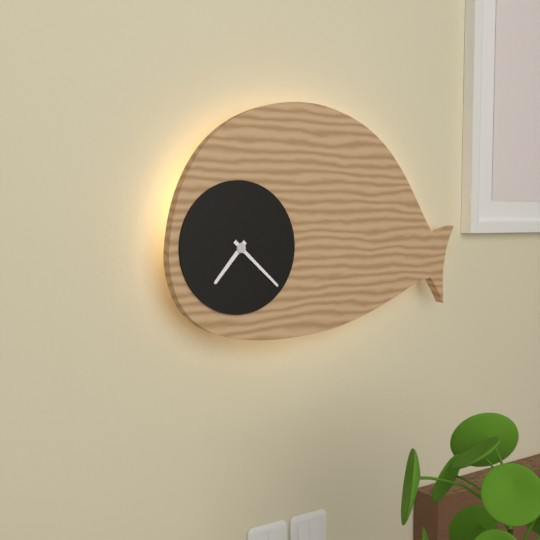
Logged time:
h=7 m=22
